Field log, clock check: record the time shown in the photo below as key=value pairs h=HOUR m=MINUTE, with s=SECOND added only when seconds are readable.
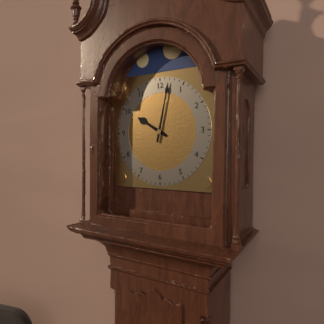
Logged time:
h=10 m=2
